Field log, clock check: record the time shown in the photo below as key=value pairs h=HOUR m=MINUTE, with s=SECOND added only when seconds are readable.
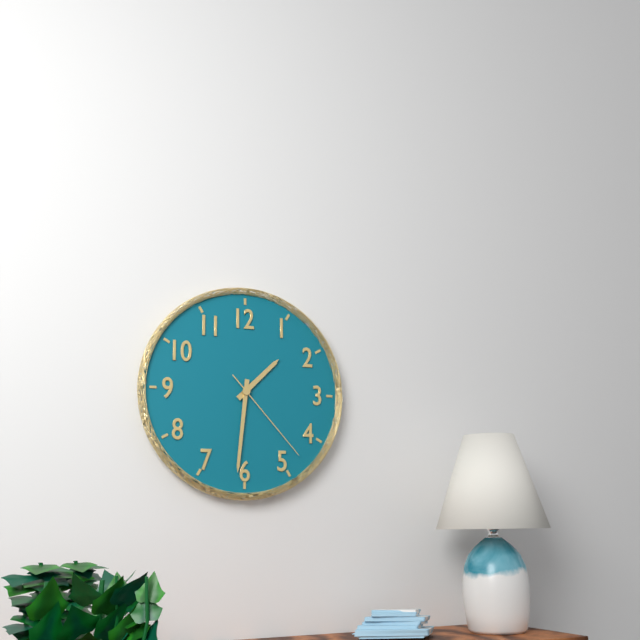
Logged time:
h=1 m=31 s=23
